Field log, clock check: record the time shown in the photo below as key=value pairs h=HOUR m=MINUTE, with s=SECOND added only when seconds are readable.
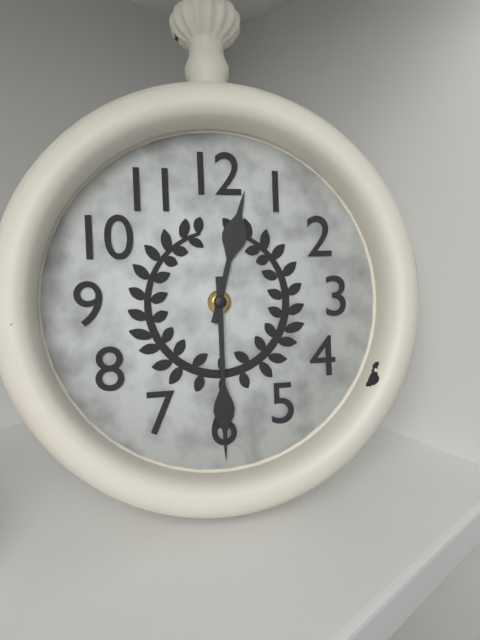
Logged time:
h=12 m=30
